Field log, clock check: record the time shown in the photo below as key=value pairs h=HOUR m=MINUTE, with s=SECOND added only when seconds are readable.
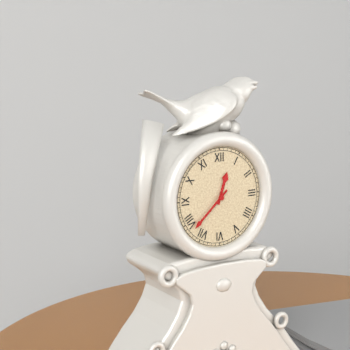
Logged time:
h=12 m=38
